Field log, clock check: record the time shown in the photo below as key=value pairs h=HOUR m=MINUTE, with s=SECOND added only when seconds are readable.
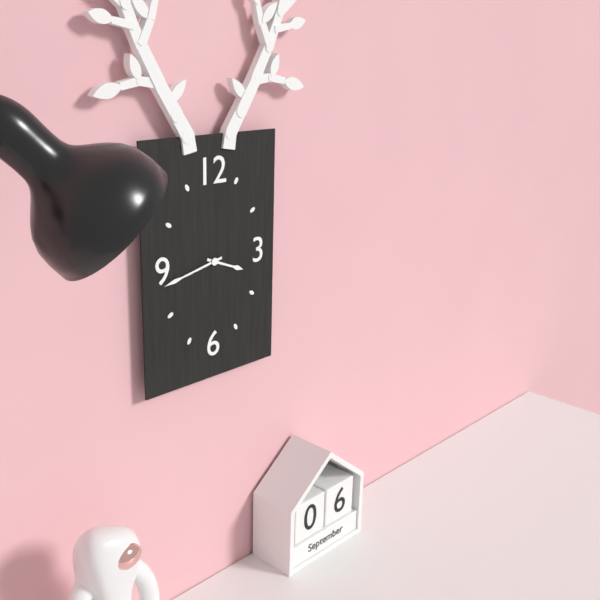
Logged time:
h=3 m=43
